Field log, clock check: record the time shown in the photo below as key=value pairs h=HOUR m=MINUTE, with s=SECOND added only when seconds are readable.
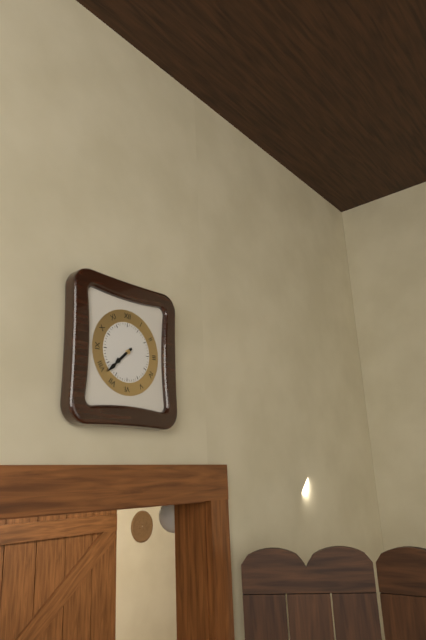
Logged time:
h=7 m=38
